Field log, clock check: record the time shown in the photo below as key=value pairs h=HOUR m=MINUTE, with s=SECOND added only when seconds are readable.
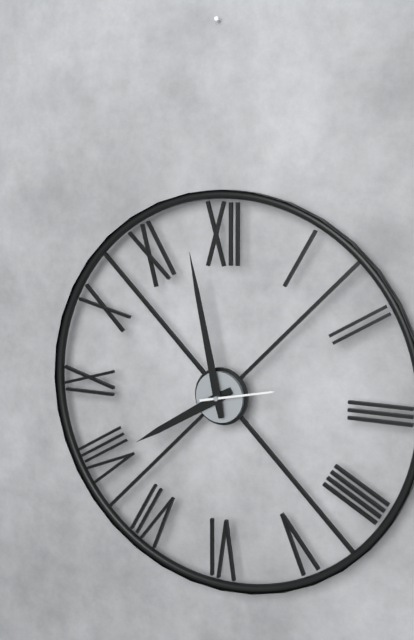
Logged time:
h=7 m=58 s=13
